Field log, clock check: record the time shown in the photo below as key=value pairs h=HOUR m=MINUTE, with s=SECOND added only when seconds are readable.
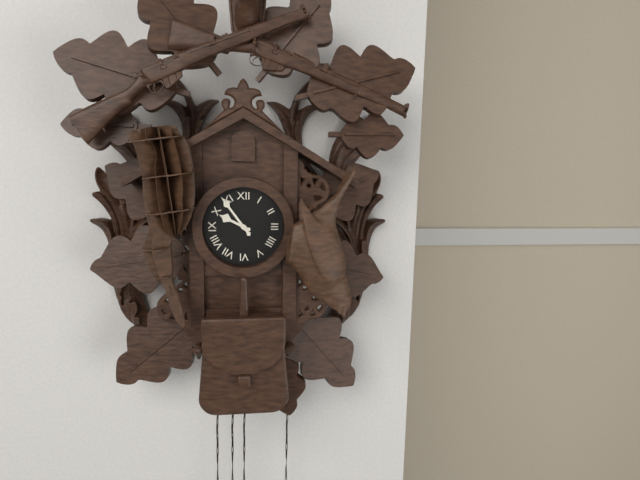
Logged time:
h=9 m=54
